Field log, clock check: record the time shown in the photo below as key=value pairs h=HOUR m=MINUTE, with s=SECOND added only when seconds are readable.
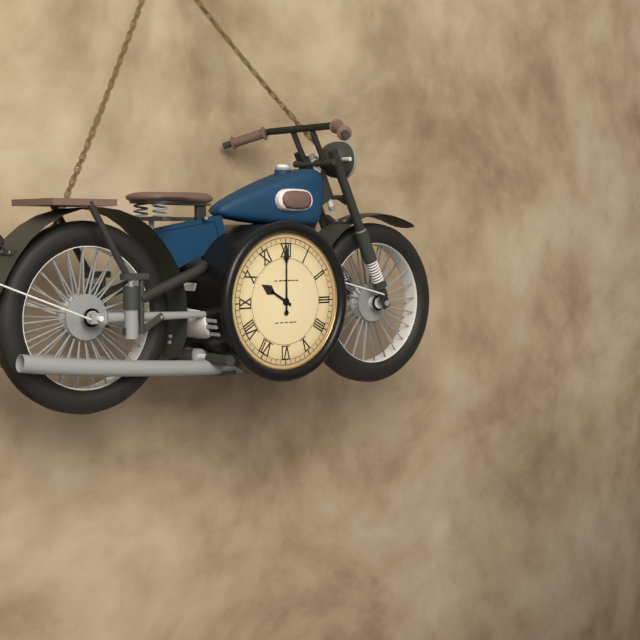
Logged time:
h=10 m=0
